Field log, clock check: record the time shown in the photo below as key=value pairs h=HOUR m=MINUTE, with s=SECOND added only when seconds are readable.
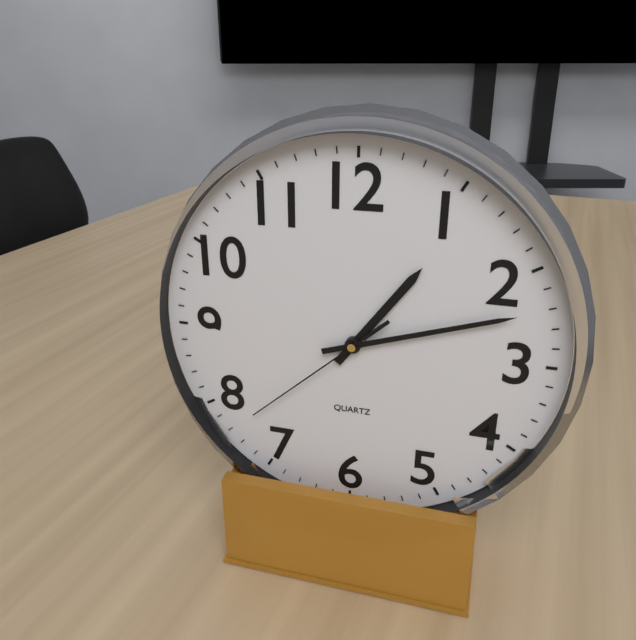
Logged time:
h=1 m=12 s=38
